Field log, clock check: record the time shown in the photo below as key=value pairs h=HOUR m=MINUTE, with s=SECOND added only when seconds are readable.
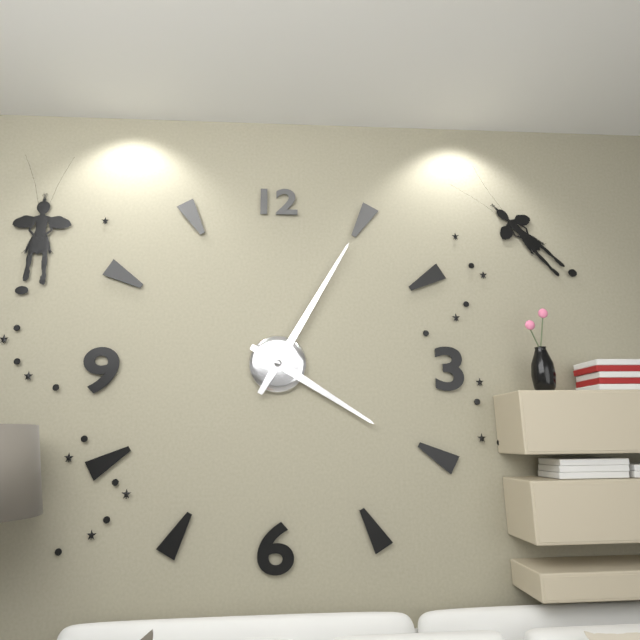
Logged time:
h=4 m=5
